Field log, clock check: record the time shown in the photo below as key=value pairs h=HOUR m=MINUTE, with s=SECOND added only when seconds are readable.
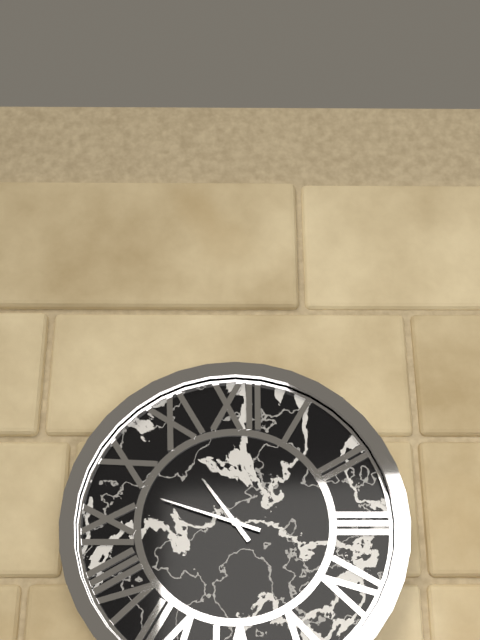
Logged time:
h=10 m=48
